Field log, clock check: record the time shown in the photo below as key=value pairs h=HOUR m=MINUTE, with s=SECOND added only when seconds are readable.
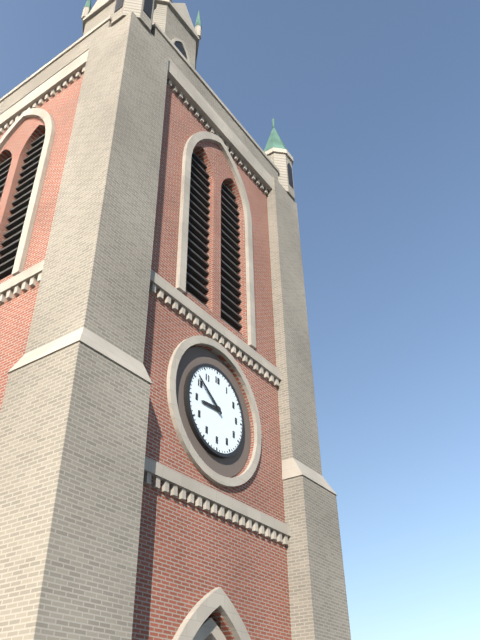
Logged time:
h=8 m=51
